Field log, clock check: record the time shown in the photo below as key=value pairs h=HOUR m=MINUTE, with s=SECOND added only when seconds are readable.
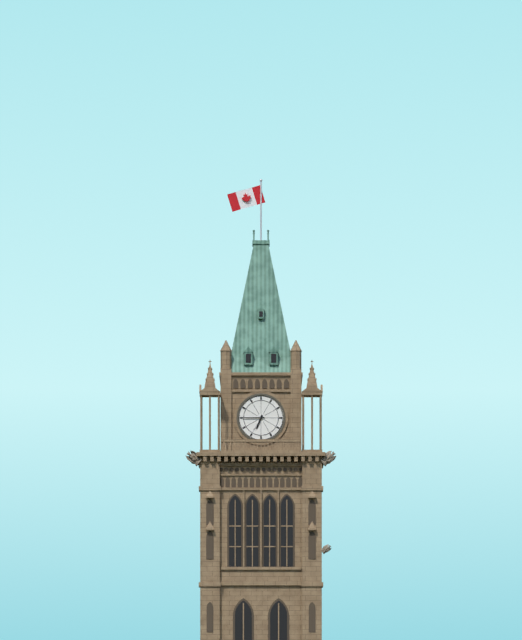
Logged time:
h=6 m=45
